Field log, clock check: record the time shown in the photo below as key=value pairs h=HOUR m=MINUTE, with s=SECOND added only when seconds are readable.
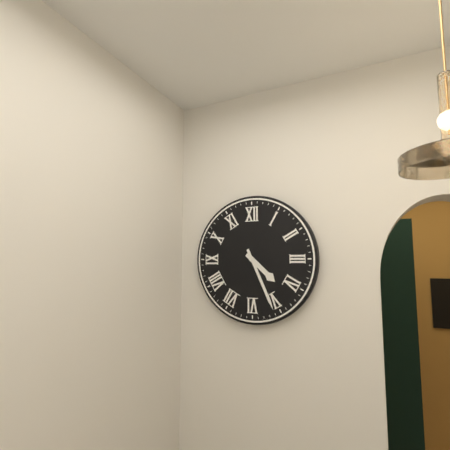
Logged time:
h=4 m=26
